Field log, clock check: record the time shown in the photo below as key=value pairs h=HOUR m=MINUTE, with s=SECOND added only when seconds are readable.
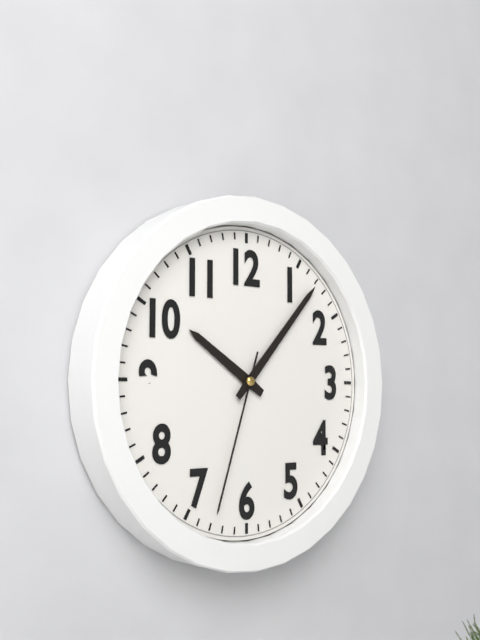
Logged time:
h=10 m=7 s=33
